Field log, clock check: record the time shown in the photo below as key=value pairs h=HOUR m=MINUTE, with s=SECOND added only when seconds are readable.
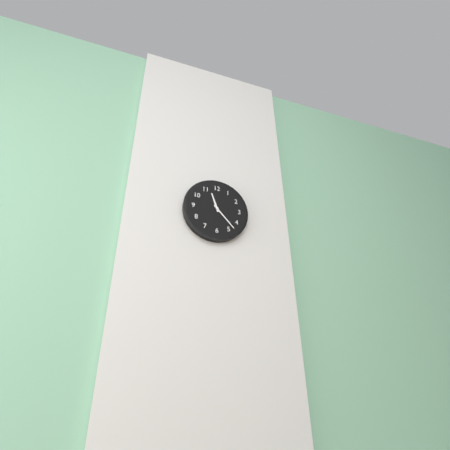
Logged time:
h=11 m=23
